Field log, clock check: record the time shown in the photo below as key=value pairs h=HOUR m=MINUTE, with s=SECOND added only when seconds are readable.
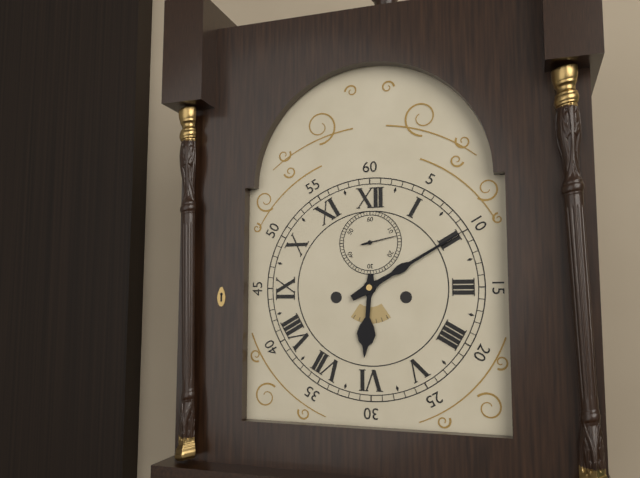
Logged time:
h=6 m=10
